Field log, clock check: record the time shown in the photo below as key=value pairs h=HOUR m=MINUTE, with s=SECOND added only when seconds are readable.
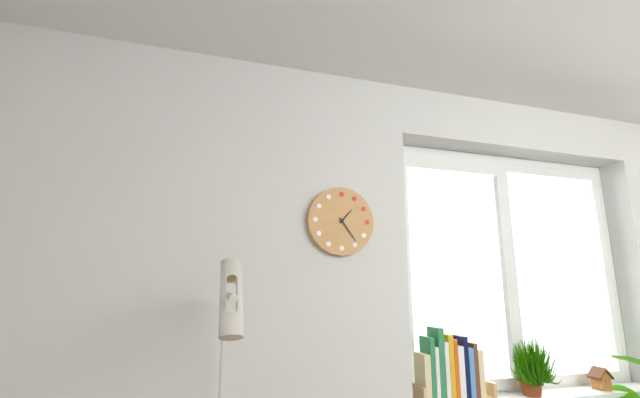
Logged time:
h=1 m=24
